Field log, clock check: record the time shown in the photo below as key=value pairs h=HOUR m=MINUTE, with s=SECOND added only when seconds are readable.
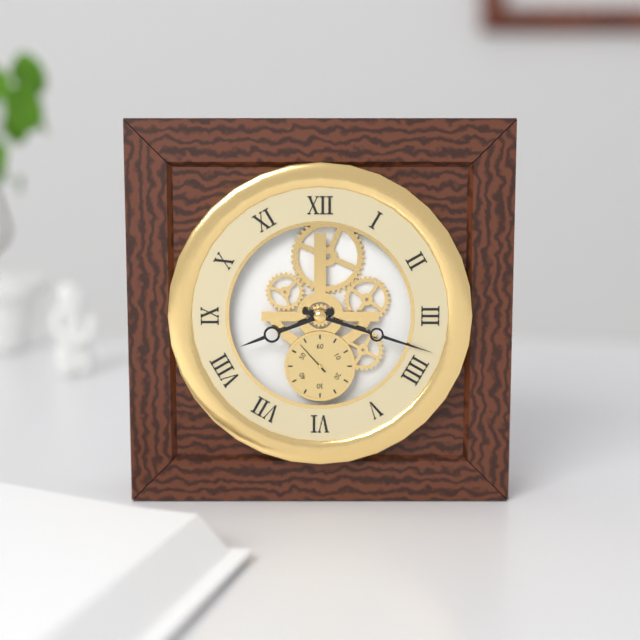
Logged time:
h=8 m=18
